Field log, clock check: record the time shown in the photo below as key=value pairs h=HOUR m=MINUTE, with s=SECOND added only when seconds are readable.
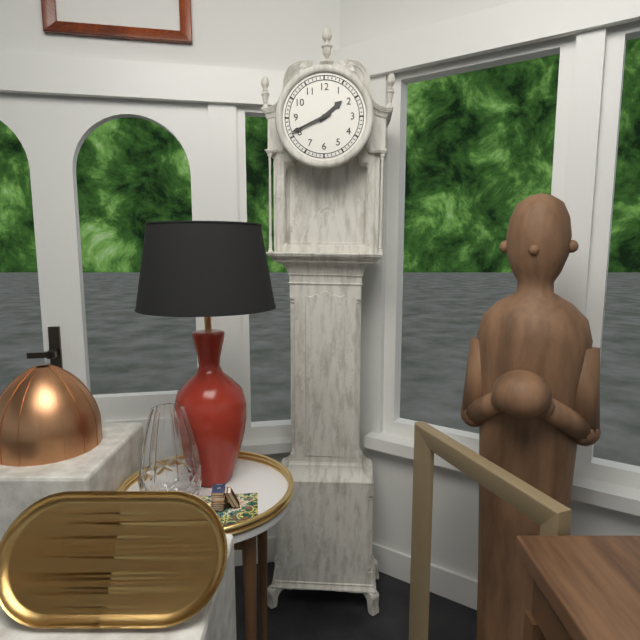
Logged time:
h=1 m=41
